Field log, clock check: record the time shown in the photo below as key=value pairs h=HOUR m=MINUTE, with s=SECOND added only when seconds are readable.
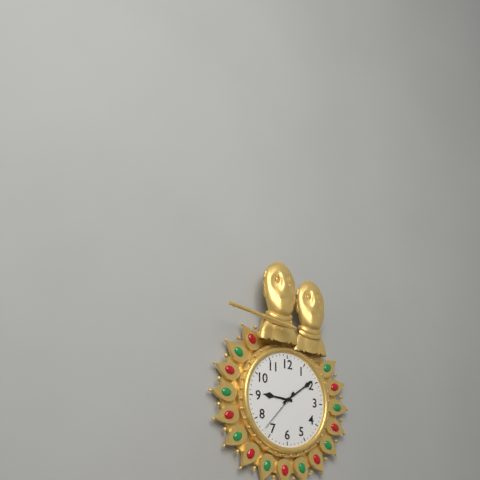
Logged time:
h=9 m=9
